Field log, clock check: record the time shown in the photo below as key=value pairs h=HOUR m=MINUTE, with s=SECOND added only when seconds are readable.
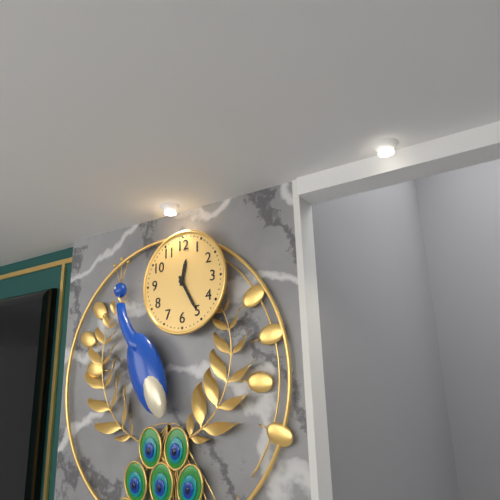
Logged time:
h=12 m=25
